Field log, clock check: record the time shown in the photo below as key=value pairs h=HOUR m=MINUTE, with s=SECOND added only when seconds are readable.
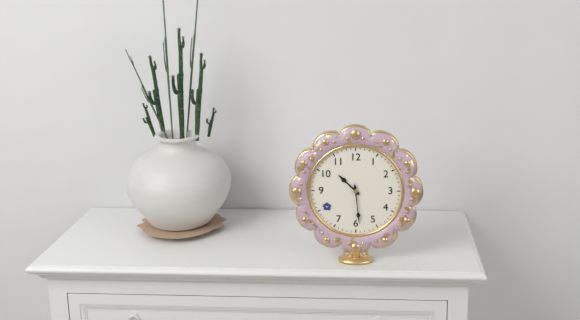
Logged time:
h=10 m=29
